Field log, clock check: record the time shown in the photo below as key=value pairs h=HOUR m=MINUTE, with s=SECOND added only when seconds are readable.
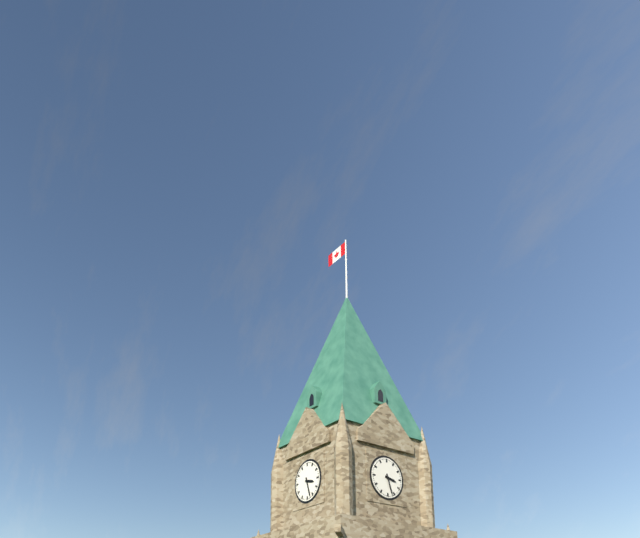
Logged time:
h=3 m=27
